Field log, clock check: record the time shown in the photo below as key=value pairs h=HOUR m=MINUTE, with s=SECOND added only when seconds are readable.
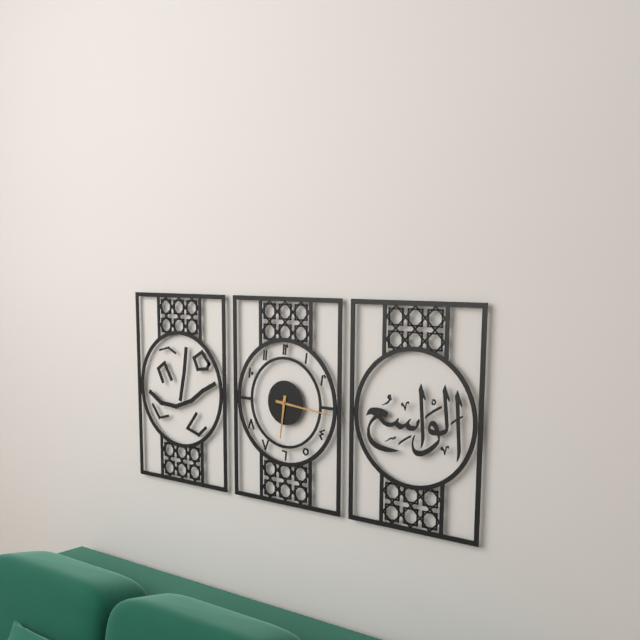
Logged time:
h=6 m=16
